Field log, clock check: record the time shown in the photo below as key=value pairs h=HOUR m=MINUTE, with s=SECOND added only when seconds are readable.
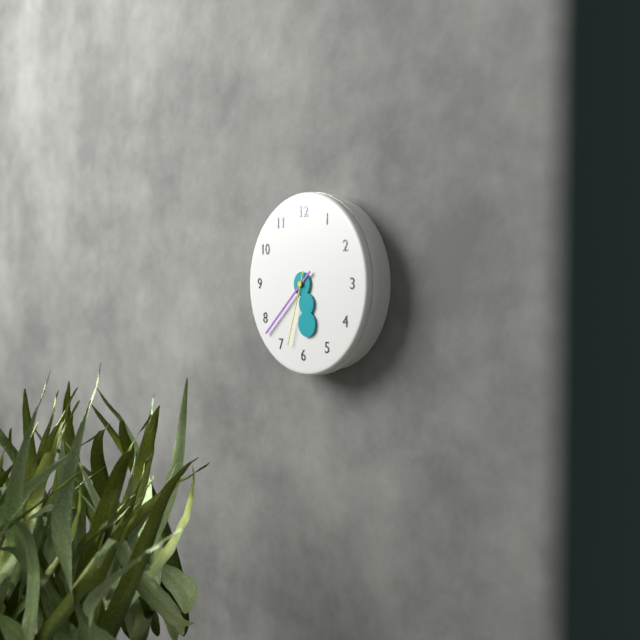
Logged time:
h=5 m=38 s=33
